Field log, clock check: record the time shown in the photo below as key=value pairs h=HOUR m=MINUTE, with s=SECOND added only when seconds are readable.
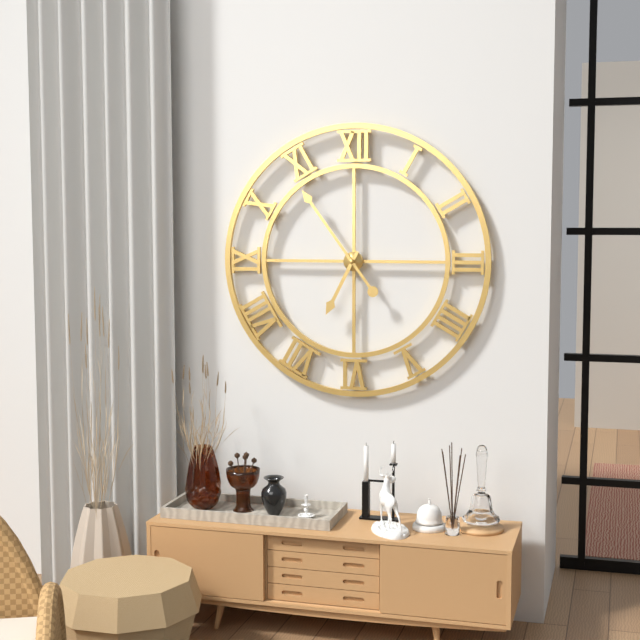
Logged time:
h=6 m=54
